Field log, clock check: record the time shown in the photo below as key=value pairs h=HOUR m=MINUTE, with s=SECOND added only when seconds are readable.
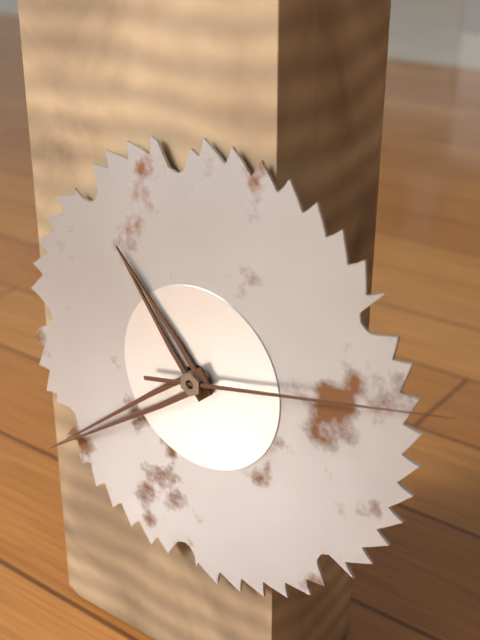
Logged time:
h=10 m=39 s=13
